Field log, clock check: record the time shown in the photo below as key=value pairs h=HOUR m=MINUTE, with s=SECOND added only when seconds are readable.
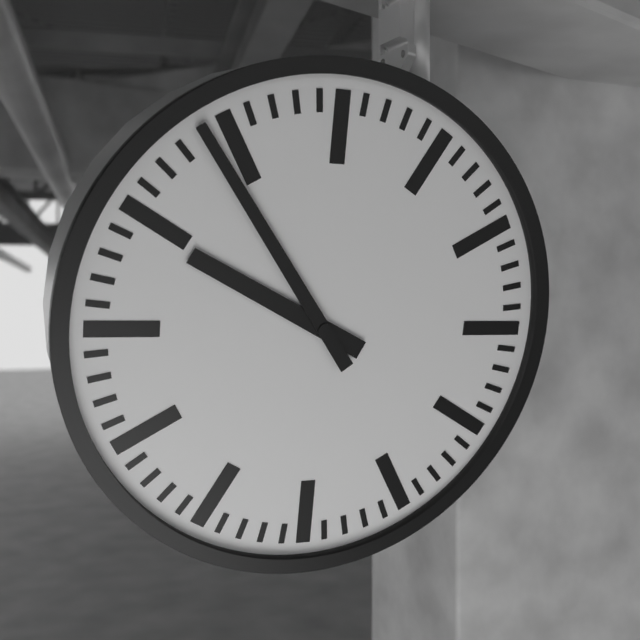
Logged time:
h=9 m=54
